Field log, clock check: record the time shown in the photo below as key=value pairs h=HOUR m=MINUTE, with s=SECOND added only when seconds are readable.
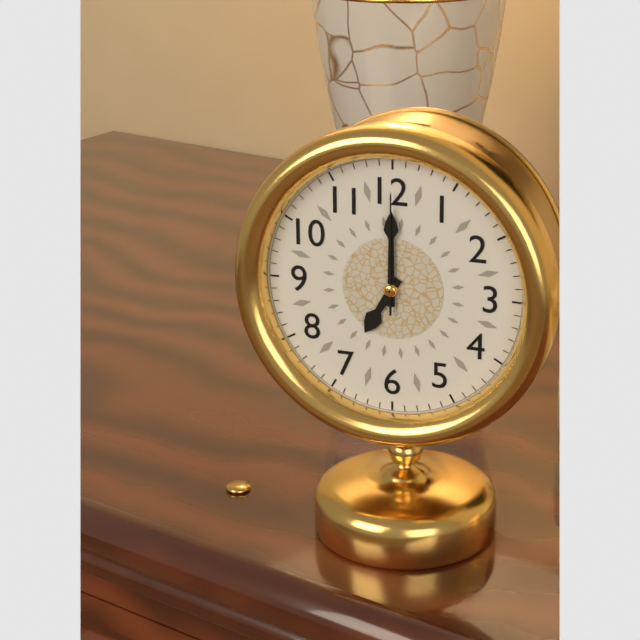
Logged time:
h=7 m=0 s=0
